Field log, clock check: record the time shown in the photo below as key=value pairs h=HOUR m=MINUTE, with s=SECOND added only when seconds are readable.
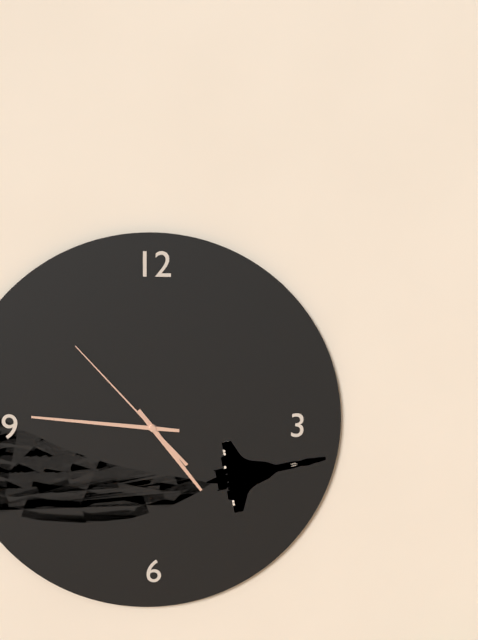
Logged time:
h=4 m=46 s=53
